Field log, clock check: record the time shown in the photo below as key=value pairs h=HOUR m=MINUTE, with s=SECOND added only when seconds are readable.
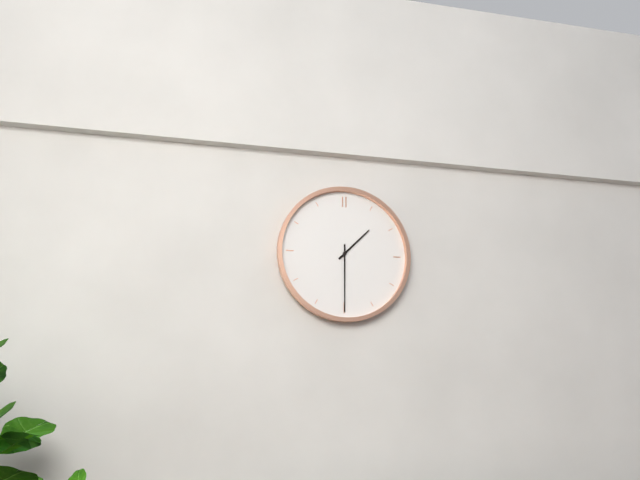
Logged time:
h=1 m=30
